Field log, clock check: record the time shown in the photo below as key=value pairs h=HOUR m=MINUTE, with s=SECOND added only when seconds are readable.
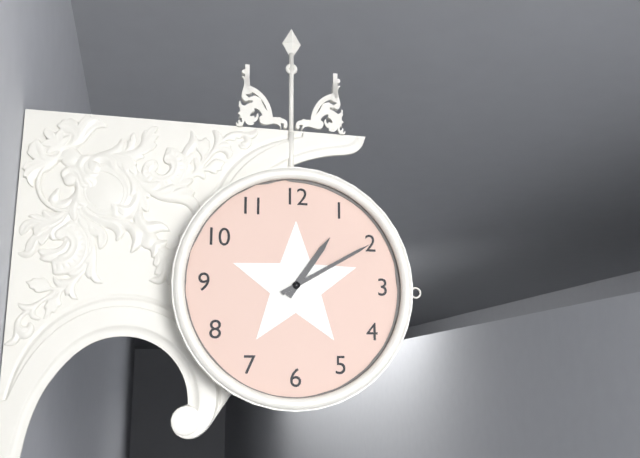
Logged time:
h=1 m=10
